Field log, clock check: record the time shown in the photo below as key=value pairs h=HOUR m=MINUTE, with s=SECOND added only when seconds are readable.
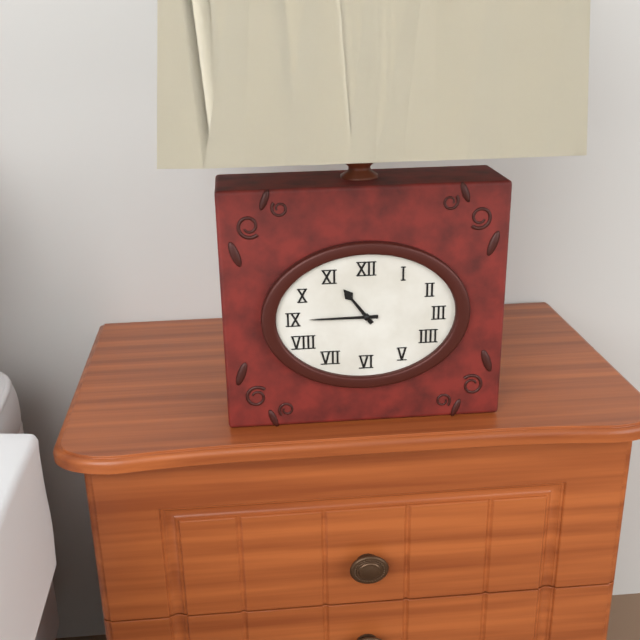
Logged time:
h=10 m=45
